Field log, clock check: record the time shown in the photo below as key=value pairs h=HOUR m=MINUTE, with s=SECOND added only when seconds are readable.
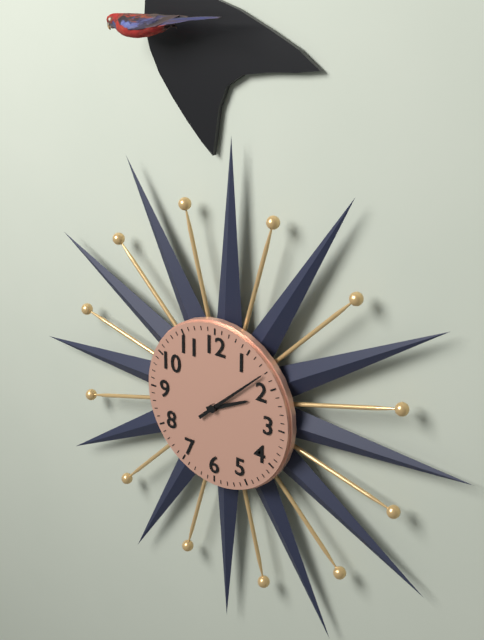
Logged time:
h=2 m=8
